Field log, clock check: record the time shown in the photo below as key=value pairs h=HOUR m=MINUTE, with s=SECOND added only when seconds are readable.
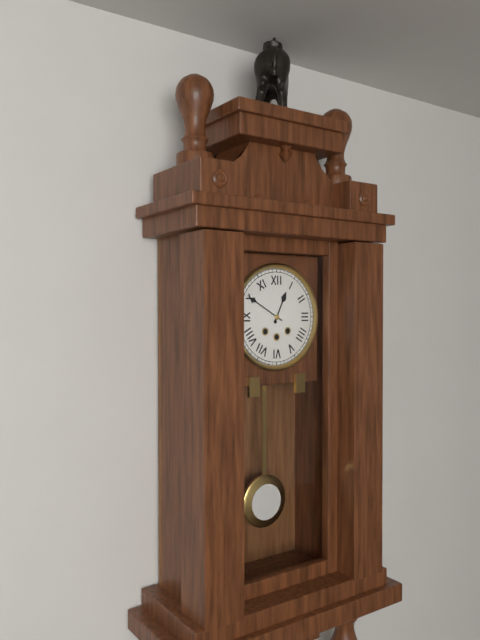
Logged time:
h=12 m=50
